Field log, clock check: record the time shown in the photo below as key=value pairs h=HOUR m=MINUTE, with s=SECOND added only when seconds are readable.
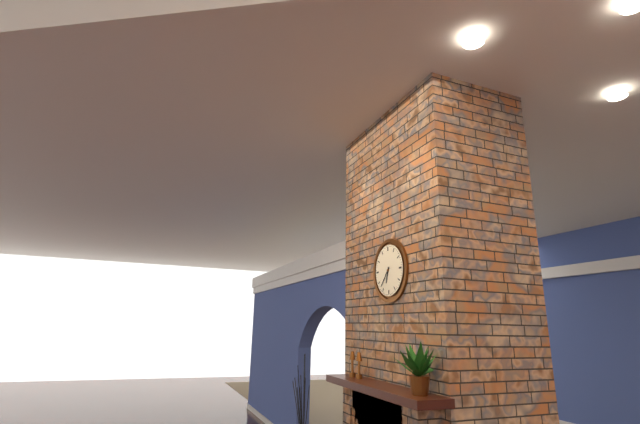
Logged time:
h=6 m=37
